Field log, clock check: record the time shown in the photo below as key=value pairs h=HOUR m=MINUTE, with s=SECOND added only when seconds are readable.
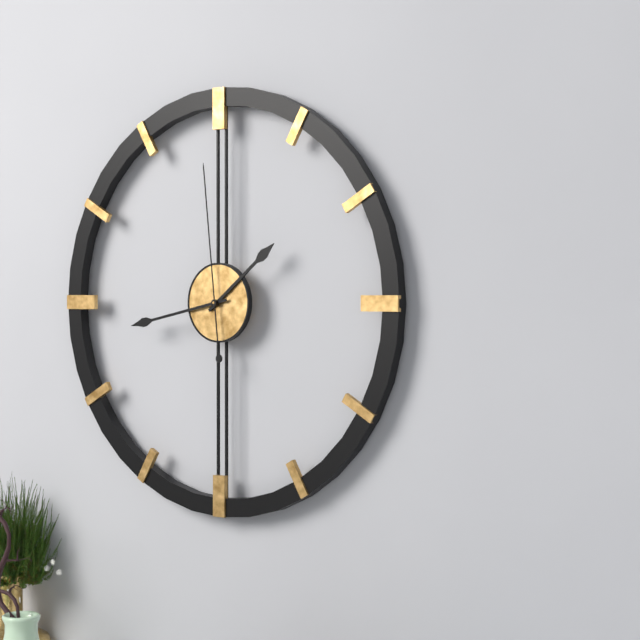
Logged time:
h=1 m=43 s=59
